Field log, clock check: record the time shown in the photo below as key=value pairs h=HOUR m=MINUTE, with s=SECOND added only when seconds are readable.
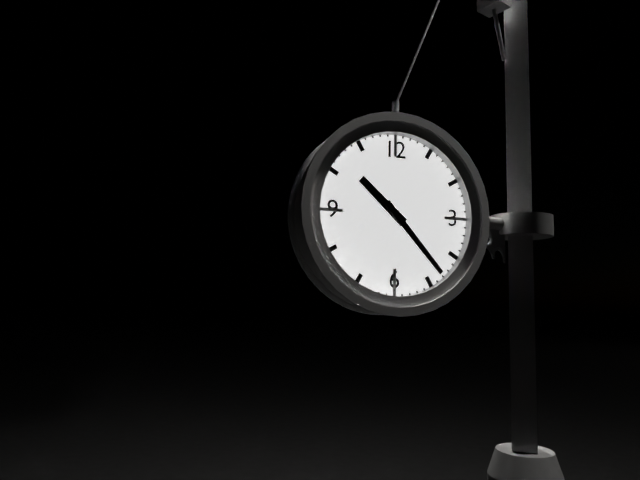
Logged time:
h=10 m=23
